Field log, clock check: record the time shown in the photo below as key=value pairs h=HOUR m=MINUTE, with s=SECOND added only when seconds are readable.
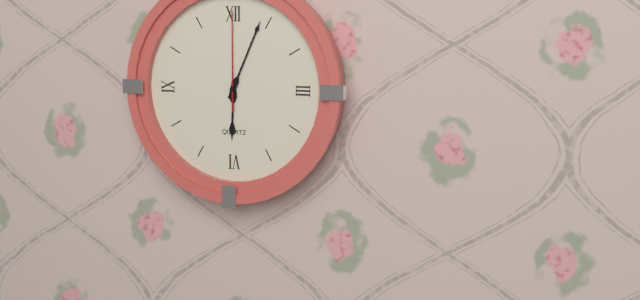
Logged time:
h=6 m=4 s=0
